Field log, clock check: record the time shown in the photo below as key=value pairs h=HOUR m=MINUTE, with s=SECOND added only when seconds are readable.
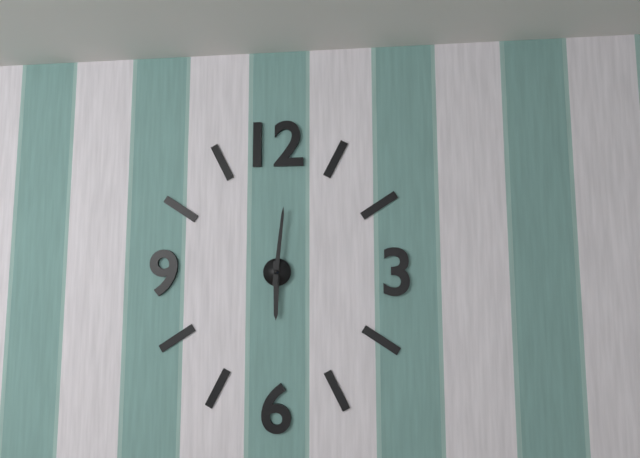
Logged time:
h=6 m=1
